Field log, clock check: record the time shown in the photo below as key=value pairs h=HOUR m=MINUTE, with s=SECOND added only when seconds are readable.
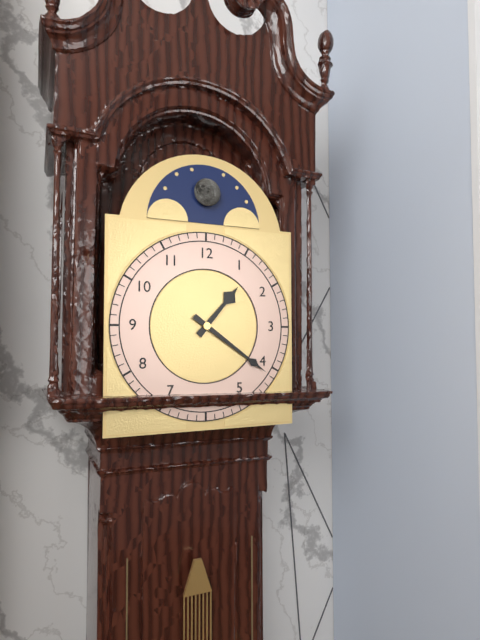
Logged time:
h=1 m=21
